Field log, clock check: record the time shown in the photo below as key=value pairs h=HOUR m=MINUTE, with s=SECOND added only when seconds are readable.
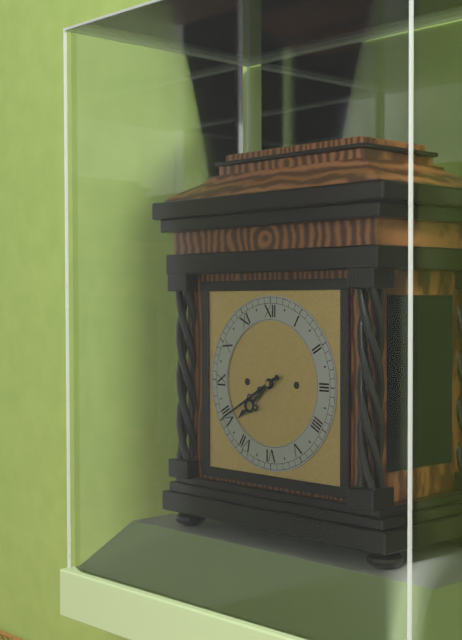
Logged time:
h=7 m=40
